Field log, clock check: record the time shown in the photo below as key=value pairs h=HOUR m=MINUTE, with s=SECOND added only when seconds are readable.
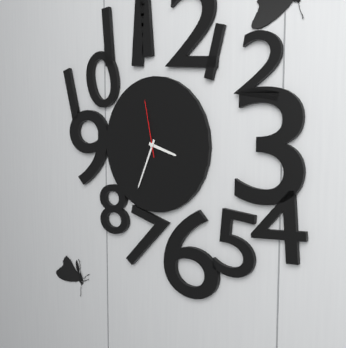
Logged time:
h=3 m=34 s=58
